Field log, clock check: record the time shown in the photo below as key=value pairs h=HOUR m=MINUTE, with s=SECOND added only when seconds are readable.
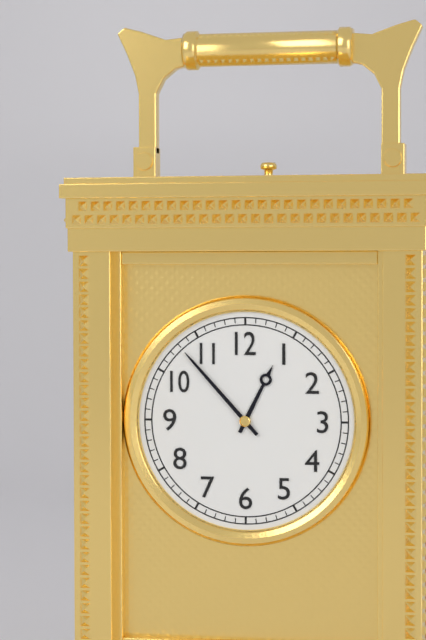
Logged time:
h=12 m=53
